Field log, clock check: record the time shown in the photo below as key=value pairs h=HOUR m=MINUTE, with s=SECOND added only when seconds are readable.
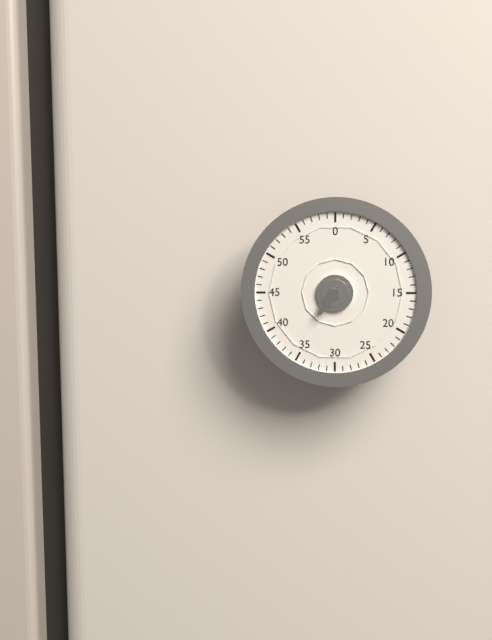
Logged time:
h=7 m=36
